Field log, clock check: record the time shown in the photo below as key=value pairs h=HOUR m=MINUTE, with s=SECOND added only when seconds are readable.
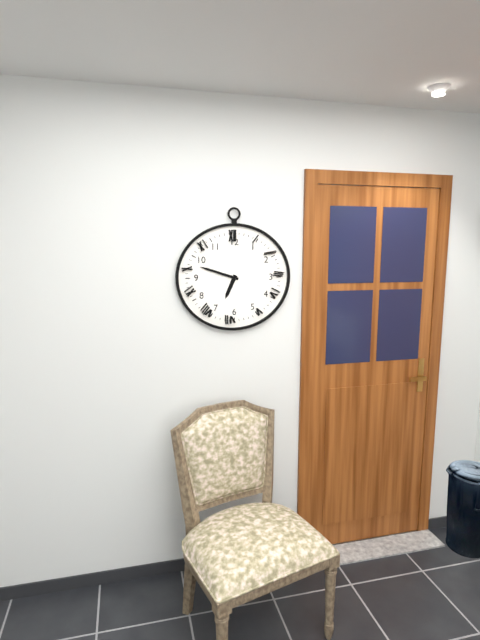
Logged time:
h=6 m=48
